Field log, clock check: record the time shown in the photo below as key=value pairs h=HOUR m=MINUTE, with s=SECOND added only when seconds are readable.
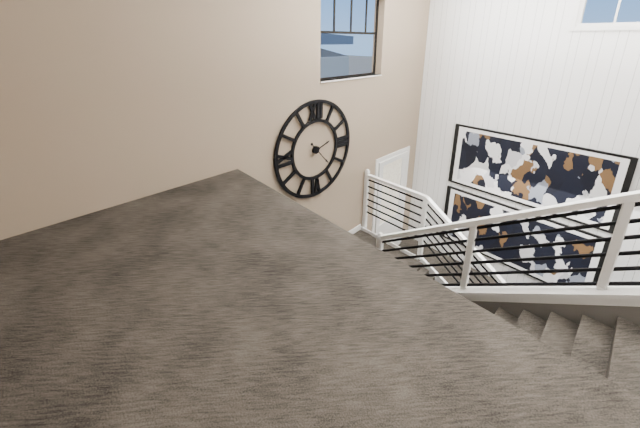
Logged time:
h=2 m=23
